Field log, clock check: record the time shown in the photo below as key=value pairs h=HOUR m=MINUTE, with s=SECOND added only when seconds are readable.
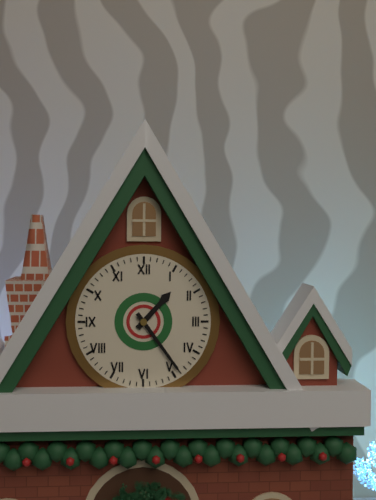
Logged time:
h=1 m=24
